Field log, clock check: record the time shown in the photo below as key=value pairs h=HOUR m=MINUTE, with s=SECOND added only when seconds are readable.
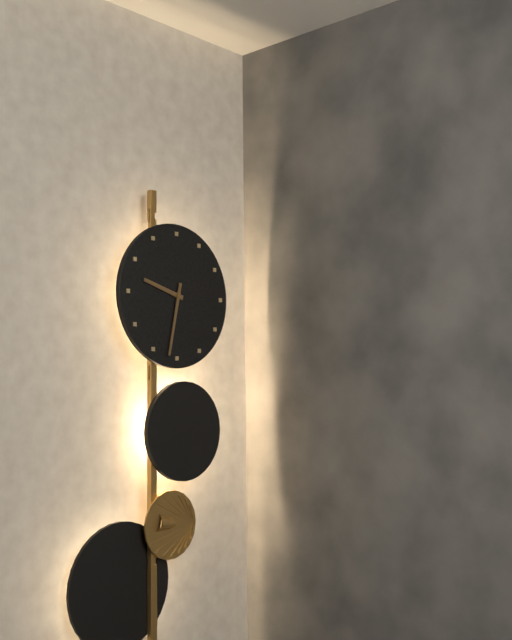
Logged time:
h=9 m=32
